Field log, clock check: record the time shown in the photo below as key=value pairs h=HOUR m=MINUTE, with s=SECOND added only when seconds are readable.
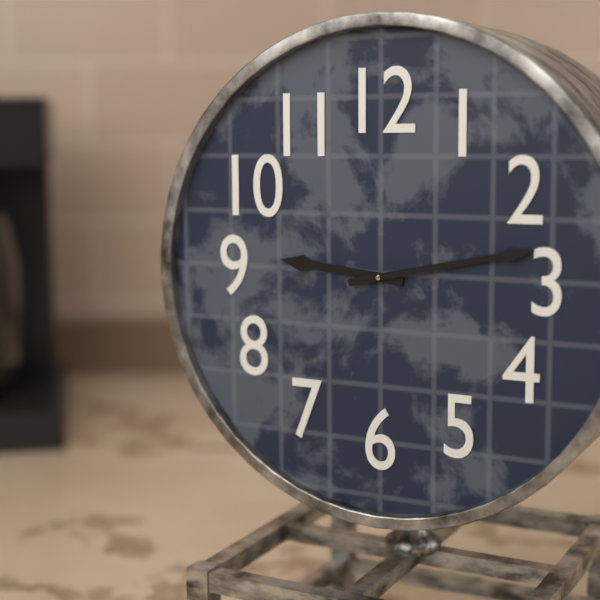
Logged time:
h=9 m=13
